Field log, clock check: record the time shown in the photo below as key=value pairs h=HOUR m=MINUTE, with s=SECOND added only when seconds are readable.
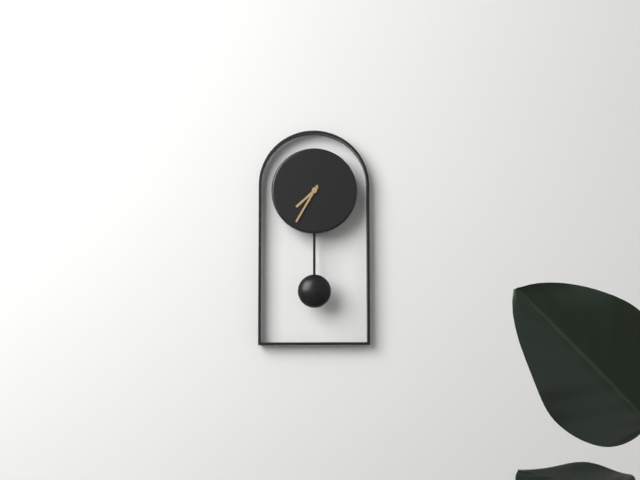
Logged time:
h=7 m=35
